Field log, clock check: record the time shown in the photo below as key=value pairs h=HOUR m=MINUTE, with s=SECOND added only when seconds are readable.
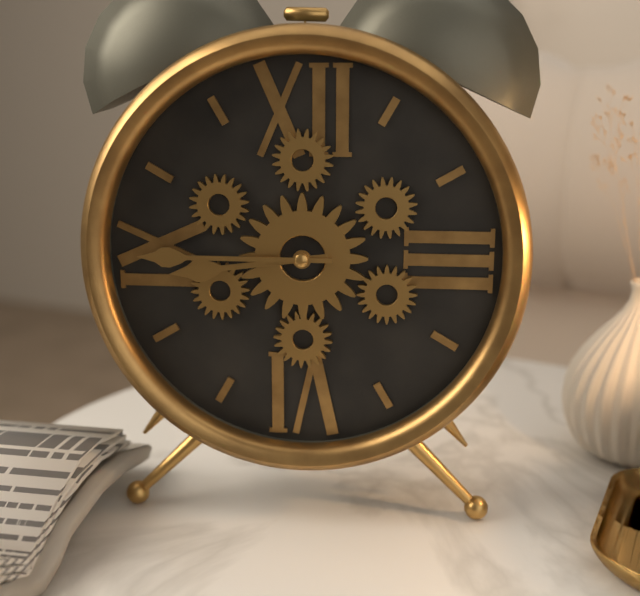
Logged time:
h=8 m=45
